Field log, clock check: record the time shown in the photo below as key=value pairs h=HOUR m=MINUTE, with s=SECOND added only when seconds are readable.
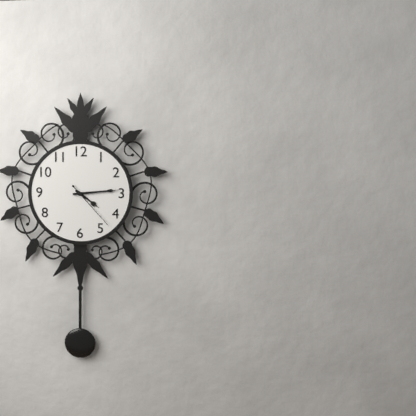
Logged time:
h=4 m=14 s=23
